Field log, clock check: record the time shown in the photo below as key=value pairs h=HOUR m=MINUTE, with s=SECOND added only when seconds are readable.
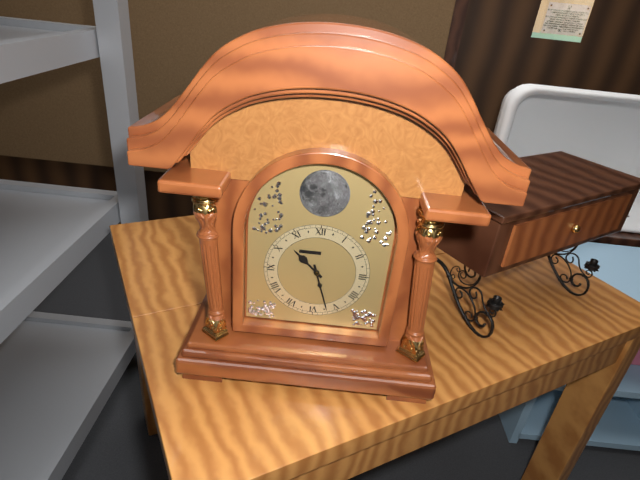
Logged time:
h=10 m=27
